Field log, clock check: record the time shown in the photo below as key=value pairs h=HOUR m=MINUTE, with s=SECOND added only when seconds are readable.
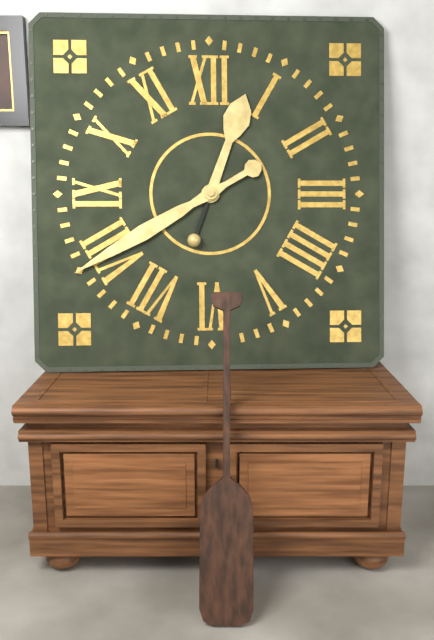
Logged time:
h=12 m=40
